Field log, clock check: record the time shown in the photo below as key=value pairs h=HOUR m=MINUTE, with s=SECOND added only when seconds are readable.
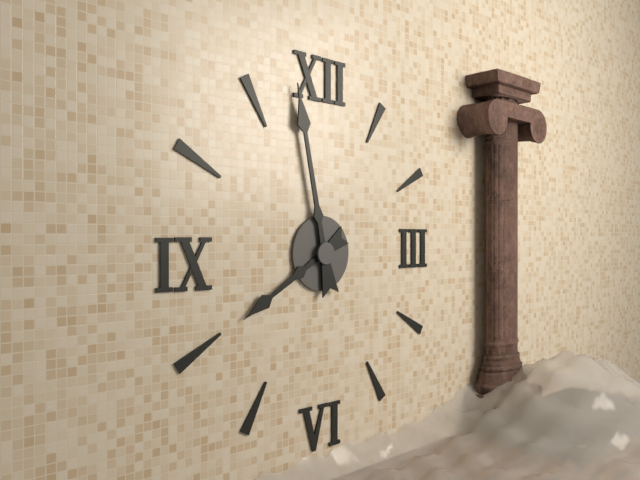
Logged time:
h=7 m=58
